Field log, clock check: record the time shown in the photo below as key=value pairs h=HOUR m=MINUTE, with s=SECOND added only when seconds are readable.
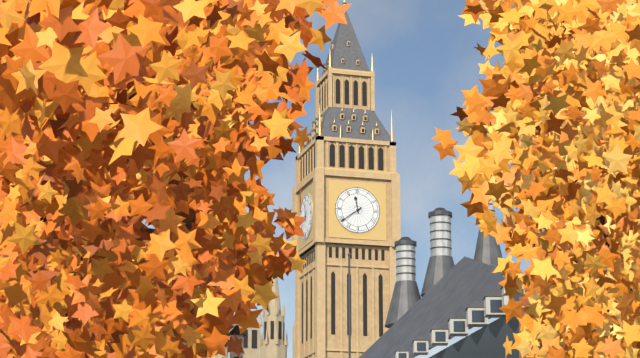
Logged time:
h=11 m=39
